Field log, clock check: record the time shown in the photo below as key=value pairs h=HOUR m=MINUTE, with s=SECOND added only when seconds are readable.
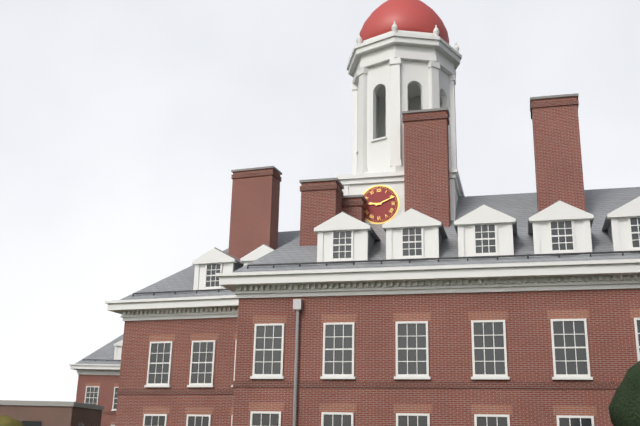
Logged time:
h=9 m=11
